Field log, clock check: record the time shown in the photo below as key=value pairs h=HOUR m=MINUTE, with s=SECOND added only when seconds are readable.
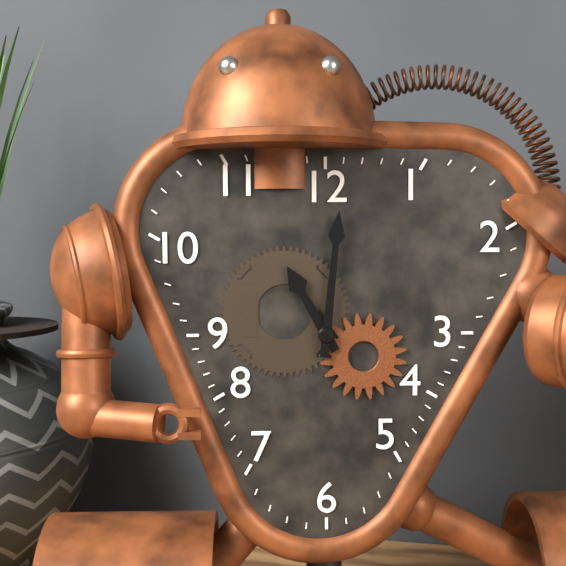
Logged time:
h=11 m=1
